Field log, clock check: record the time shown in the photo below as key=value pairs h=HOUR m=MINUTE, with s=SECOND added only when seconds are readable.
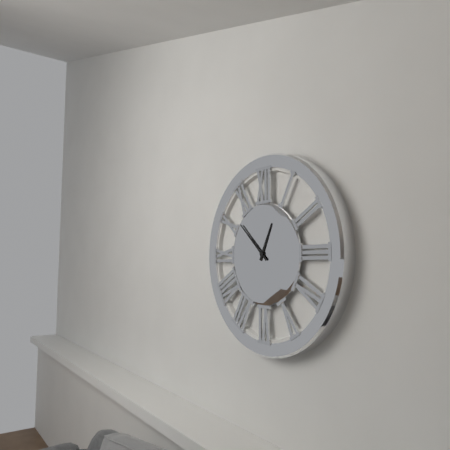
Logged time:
h=12 m=52
